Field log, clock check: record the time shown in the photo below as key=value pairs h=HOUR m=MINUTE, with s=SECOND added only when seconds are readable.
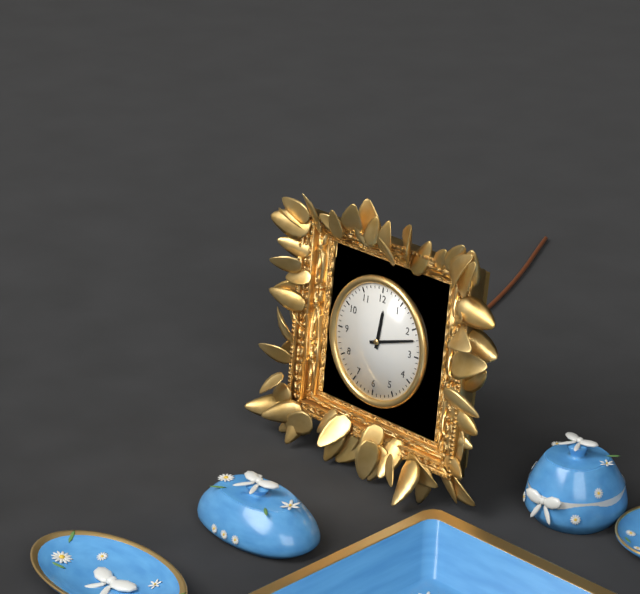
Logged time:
h=12 m=12
